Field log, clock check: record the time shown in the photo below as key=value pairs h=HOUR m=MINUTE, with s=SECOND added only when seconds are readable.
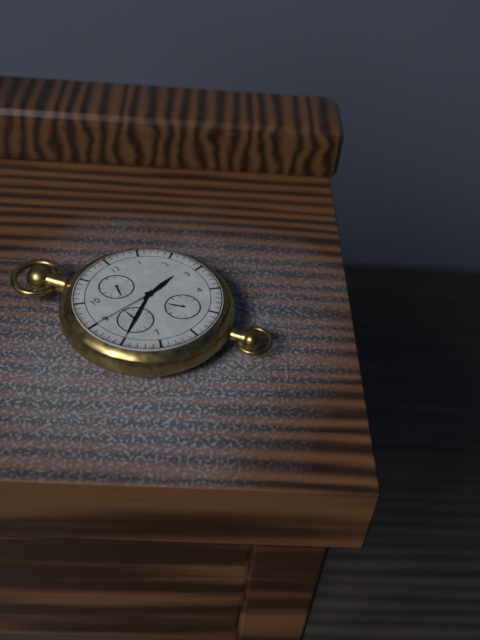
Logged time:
h=2 m=40 s=45
